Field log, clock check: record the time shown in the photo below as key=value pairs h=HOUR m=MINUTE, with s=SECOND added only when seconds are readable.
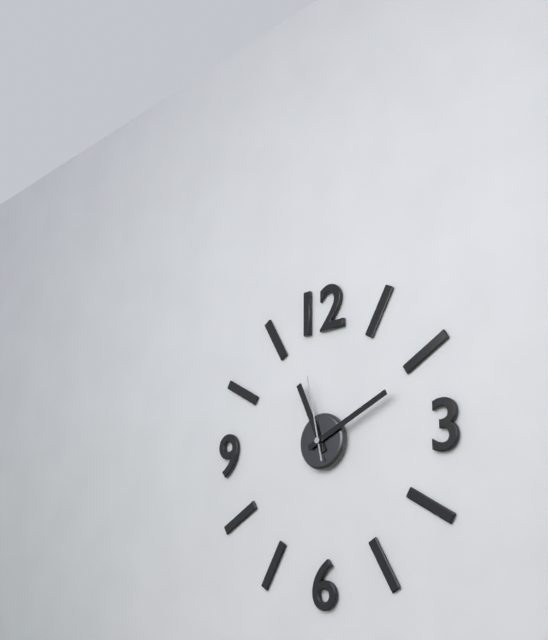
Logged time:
h=11 m=11 s=58
